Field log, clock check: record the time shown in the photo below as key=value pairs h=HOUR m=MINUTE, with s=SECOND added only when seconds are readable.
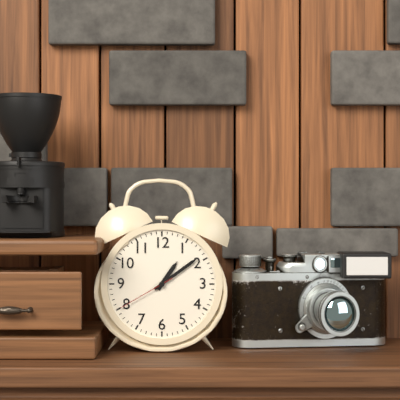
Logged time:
h=1 m=9 s=40
